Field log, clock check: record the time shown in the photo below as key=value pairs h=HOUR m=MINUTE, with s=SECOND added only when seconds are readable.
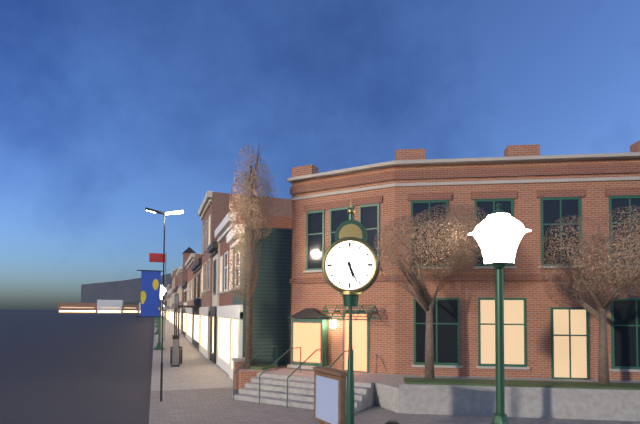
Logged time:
h=5 m=26
